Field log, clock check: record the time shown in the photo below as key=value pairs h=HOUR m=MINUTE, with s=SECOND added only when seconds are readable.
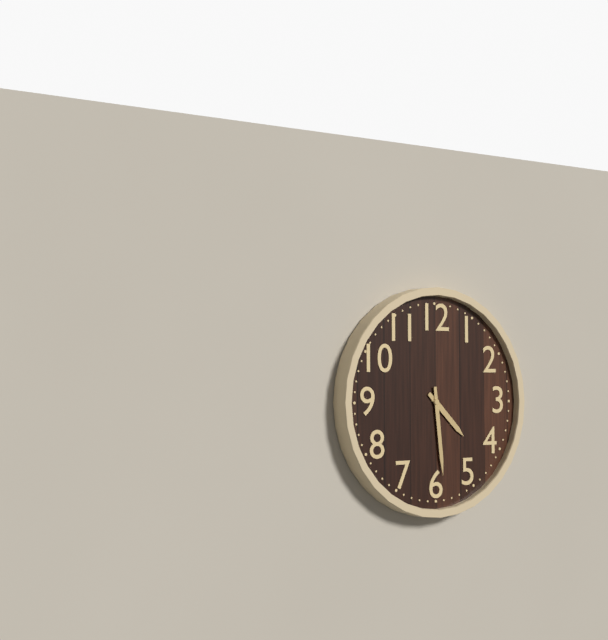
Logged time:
h=4 m=29
